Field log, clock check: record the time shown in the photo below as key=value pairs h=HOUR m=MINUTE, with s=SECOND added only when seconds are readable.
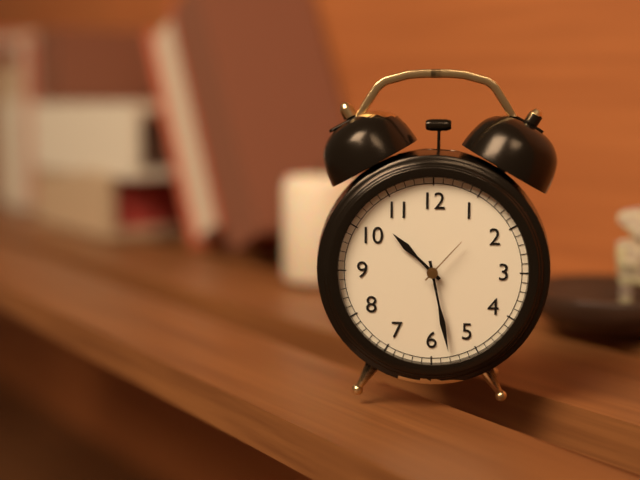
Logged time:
h=10 m=28 s=7
